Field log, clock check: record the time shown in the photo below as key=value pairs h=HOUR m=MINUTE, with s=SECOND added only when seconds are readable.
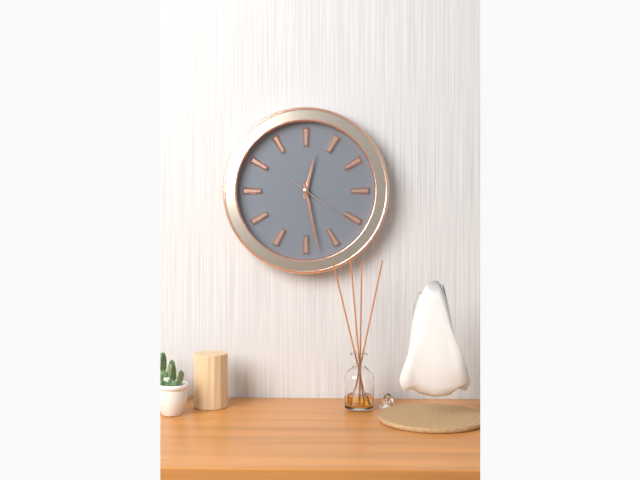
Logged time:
h=12 m=28 s=21
